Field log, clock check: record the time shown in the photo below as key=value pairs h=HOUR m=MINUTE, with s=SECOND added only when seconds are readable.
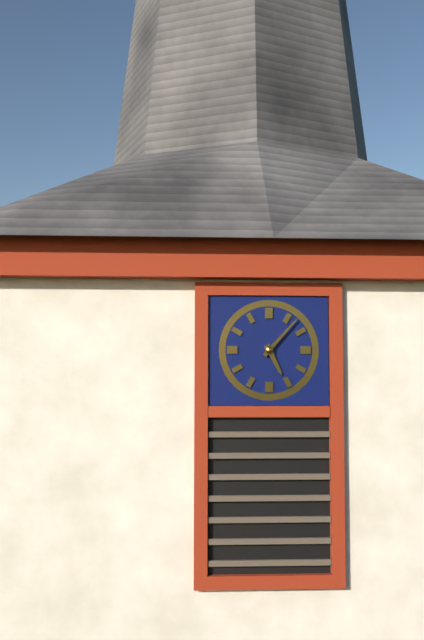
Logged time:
h=5 m=7
